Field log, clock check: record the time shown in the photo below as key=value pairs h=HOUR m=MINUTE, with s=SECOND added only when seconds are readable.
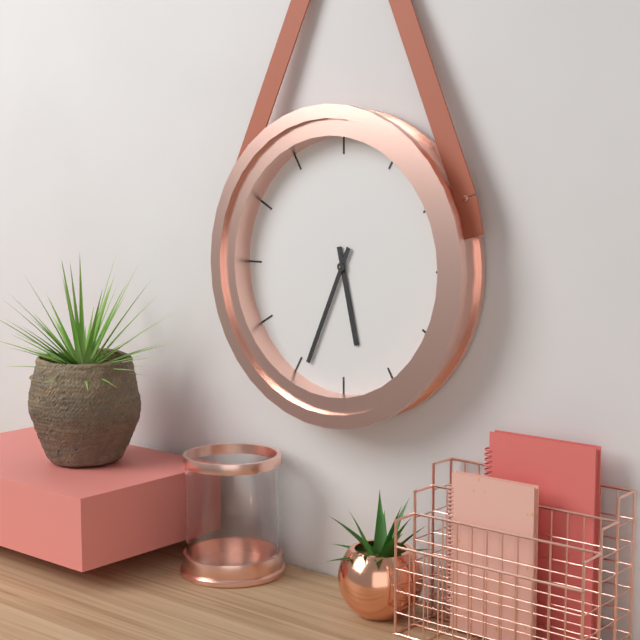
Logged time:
h=5 m=34
